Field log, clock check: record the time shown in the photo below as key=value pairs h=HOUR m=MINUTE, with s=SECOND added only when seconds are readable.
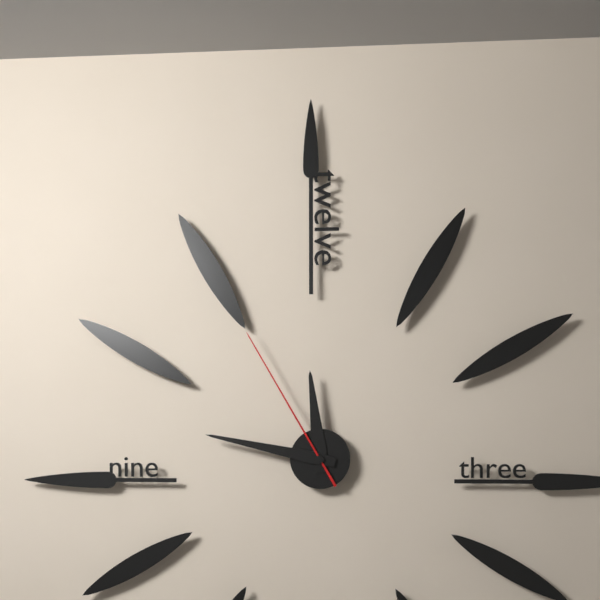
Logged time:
h=11 m=47 s=55
